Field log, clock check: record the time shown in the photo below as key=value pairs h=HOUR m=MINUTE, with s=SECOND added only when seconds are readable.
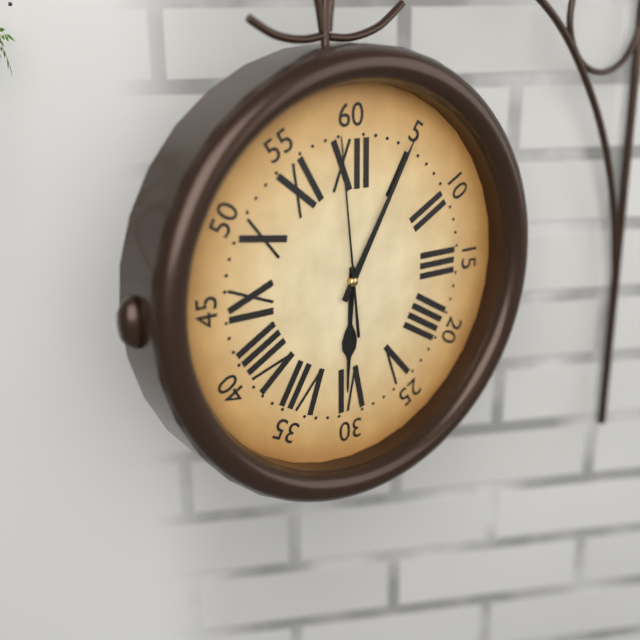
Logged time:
h=6 m=5 s=59
